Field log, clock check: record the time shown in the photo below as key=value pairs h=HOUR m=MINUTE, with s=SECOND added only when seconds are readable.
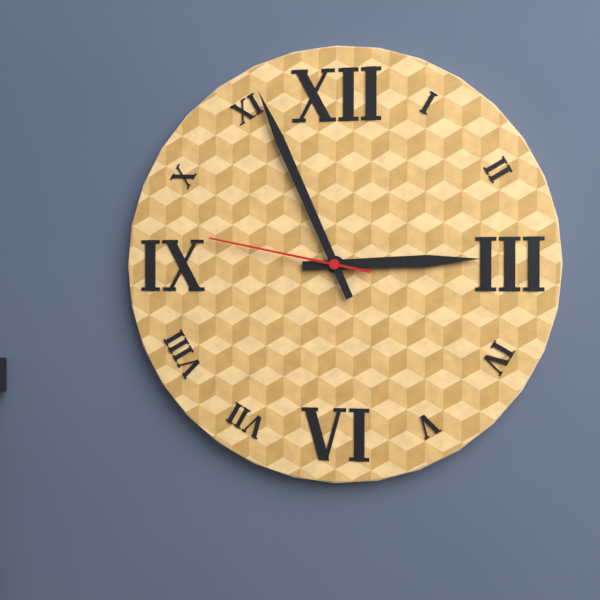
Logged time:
h=2 m=56 s=47
